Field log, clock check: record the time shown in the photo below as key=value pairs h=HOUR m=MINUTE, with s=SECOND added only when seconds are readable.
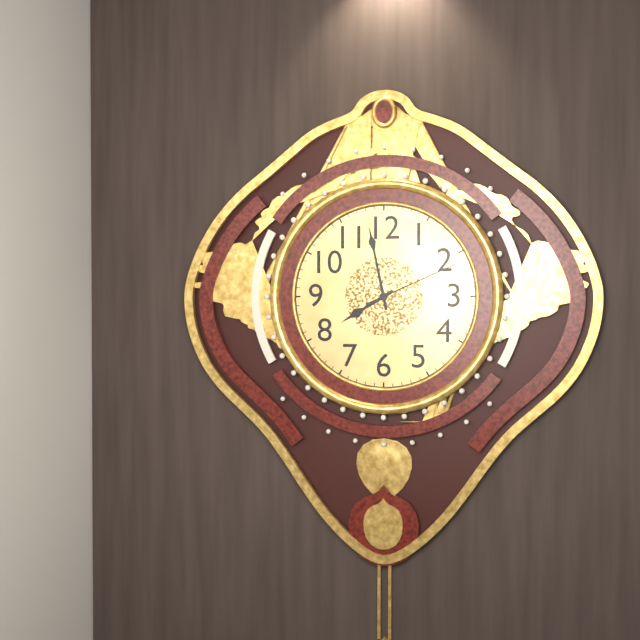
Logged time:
h=7 m=58 s=11
